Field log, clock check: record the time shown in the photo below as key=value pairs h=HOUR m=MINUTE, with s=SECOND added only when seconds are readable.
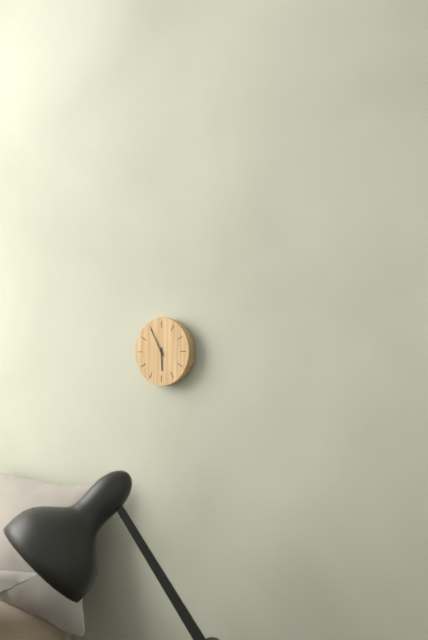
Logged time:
h=5 m=55
